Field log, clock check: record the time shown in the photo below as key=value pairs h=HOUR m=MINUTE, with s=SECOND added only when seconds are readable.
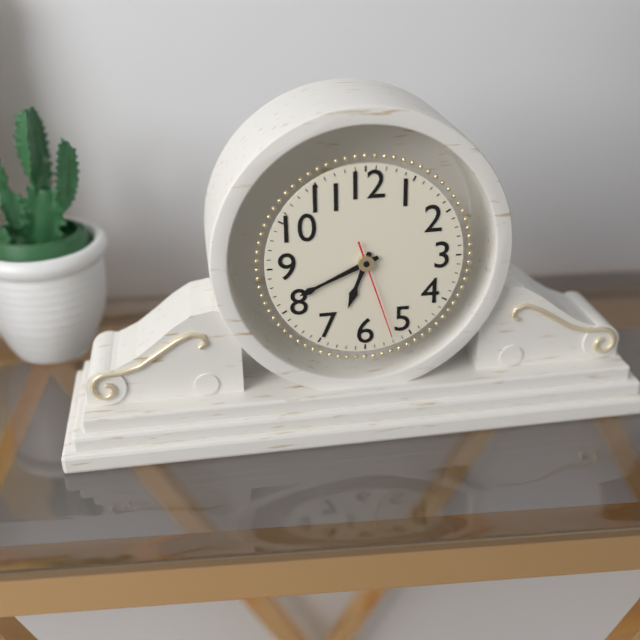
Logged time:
h=6 m=41 s=27
